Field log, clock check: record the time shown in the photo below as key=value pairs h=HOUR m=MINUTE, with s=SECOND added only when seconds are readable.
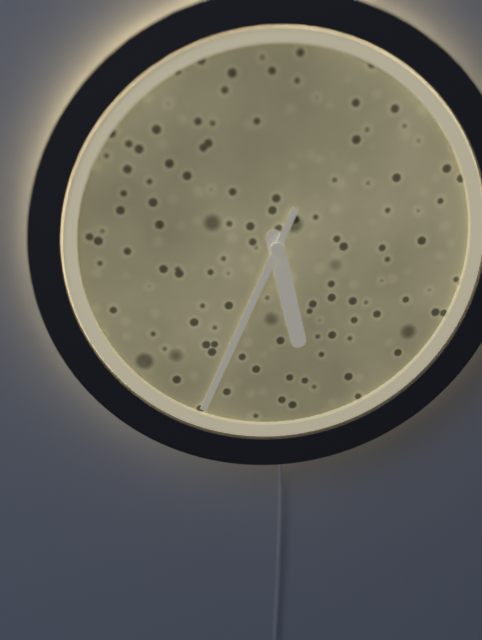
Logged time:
h=5 m=34
